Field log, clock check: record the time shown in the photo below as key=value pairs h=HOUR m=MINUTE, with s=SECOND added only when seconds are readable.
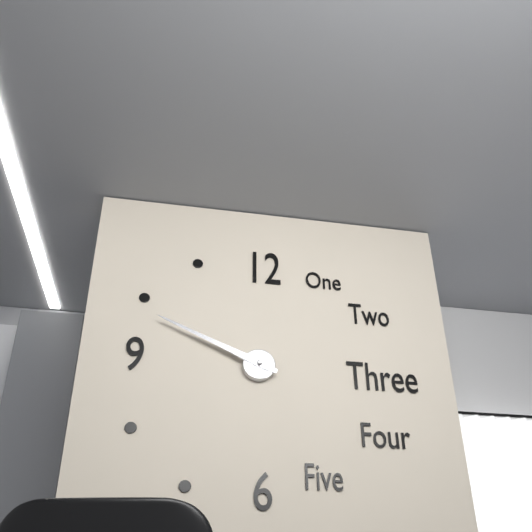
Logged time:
h=9 m=49
